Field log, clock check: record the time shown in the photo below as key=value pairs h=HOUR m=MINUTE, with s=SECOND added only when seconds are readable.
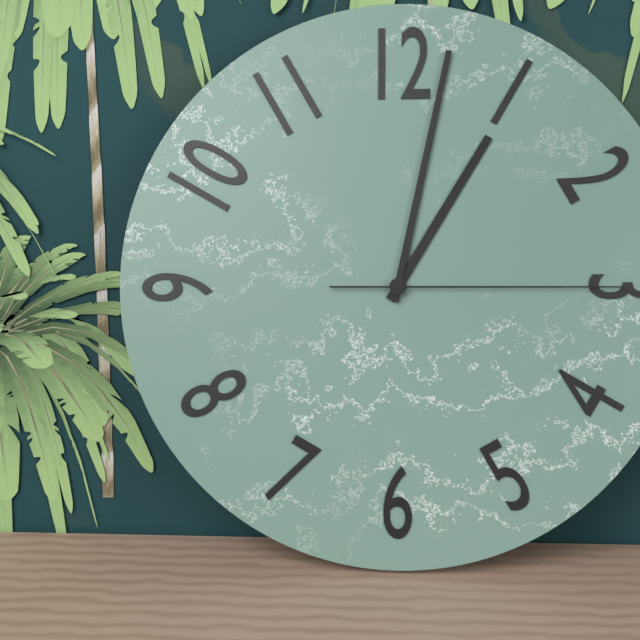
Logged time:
h=1 m=2 s=15
